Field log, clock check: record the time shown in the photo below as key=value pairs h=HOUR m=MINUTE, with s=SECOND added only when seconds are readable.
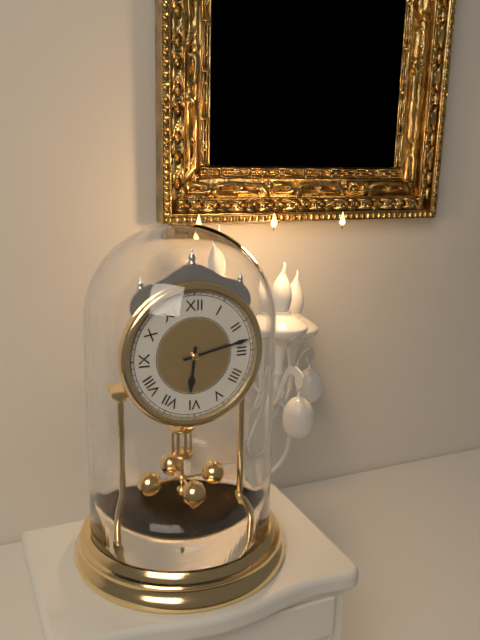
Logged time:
h=6 m=13
